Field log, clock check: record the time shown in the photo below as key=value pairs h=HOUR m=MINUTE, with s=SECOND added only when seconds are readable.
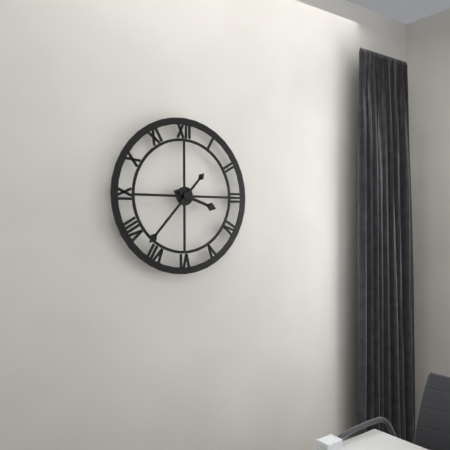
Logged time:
h=3 m=37
